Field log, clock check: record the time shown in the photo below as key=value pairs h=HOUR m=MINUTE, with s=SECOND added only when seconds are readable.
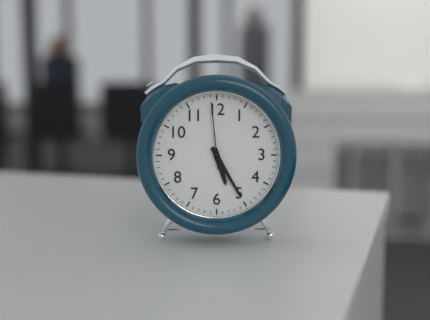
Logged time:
h=5 m=25 s=59
